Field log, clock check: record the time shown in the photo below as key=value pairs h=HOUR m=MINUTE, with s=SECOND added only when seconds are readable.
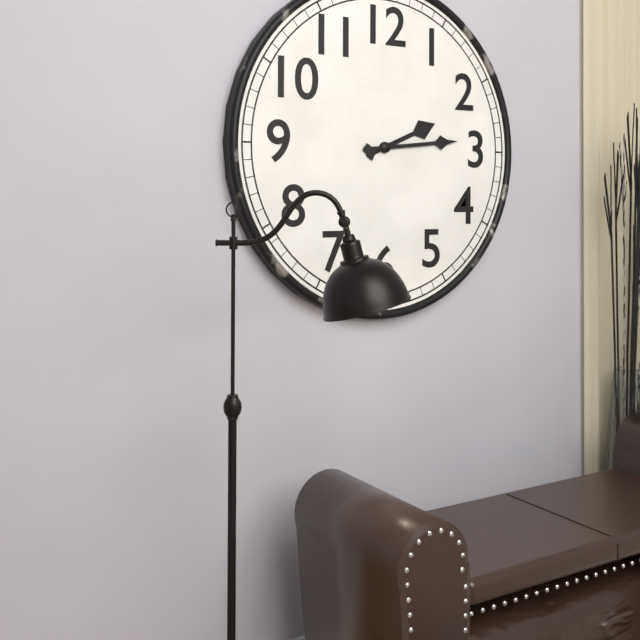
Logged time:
h=2 m=14
